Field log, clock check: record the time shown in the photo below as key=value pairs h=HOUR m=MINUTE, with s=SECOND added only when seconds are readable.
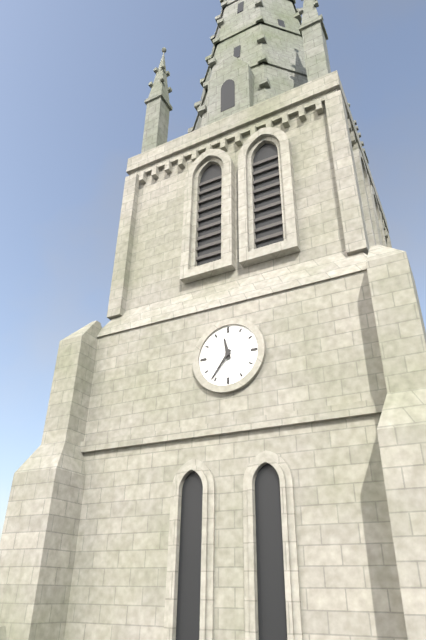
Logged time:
h=11 m=36
